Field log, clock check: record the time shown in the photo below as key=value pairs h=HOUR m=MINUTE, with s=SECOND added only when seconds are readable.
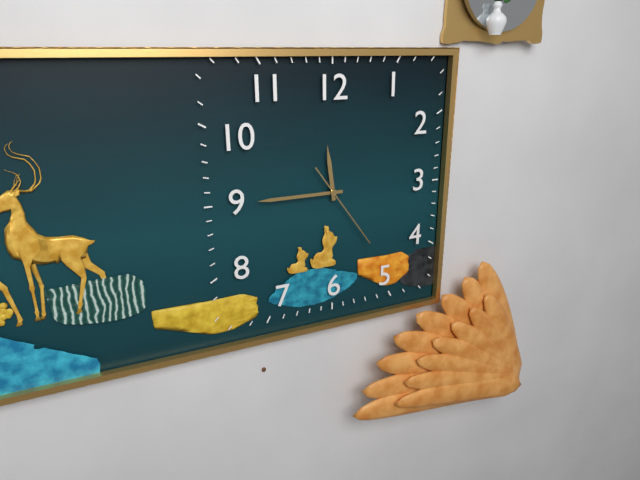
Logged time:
h=11 m=45 s=24
